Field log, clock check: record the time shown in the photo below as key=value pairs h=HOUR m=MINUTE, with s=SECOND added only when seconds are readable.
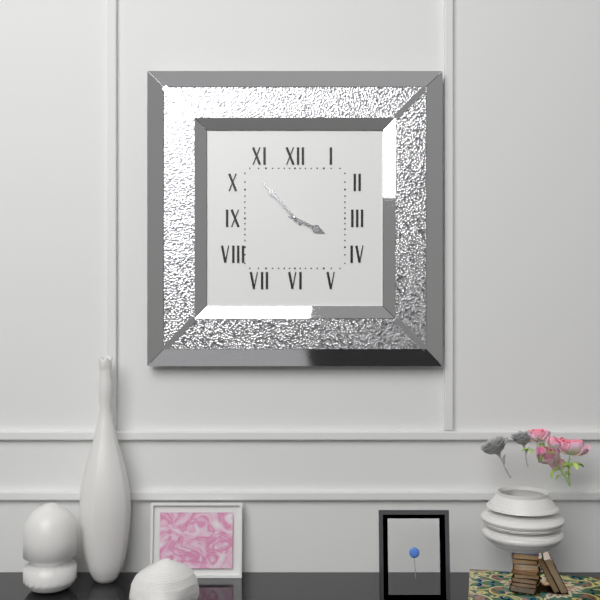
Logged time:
h=3 m=53
